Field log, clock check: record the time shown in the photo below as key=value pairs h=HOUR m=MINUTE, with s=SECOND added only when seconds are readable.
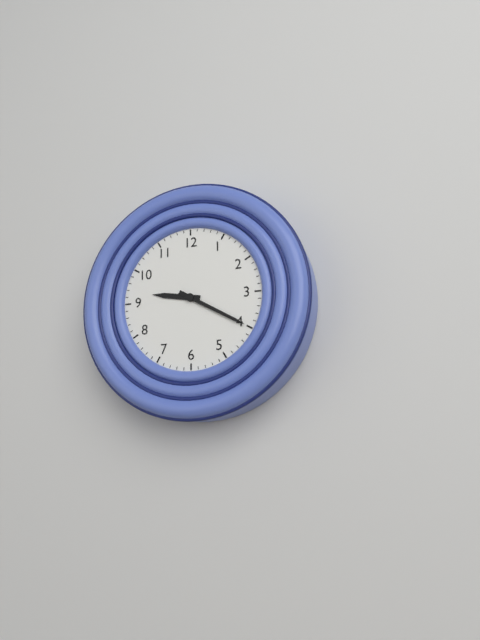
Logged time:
h=9 m=20
